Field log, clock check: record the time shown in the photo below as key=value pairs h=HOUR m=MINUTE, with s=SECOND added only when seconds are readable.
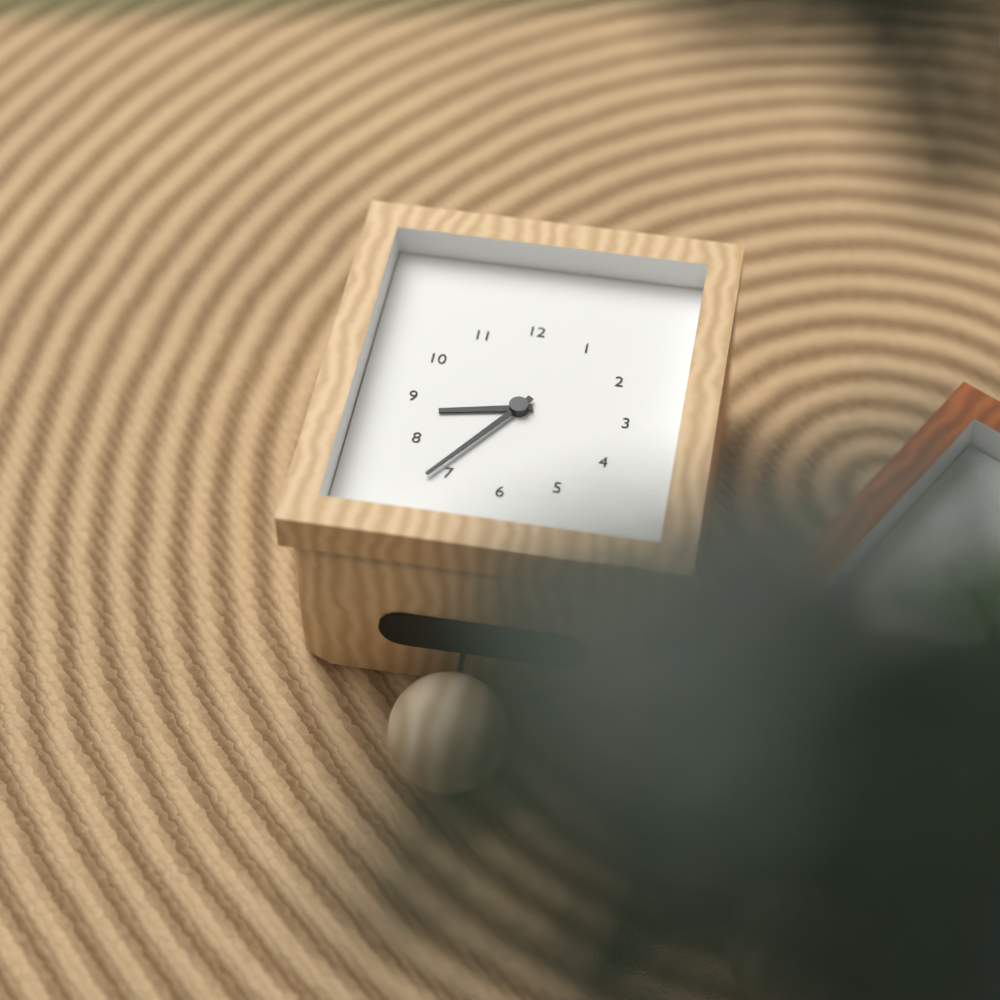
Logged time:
h=8 m=36
